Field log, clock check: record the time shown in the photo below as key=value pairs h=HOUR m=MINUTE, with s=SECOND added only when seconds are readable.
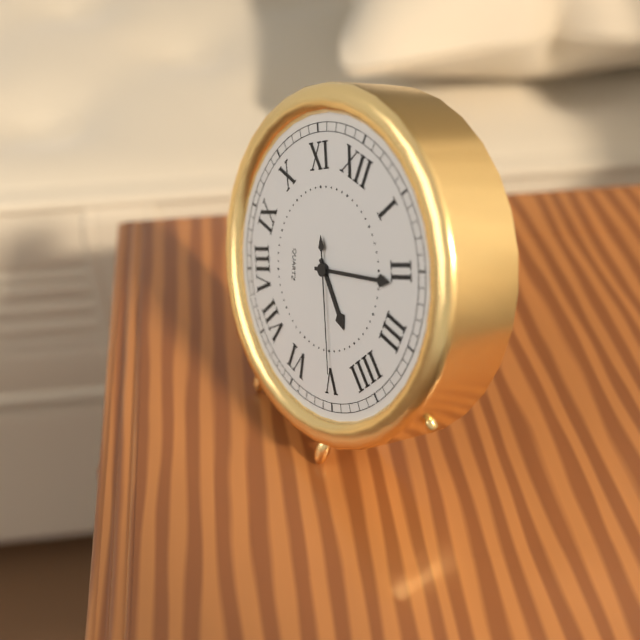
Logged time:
h=4 m=11 s=25
